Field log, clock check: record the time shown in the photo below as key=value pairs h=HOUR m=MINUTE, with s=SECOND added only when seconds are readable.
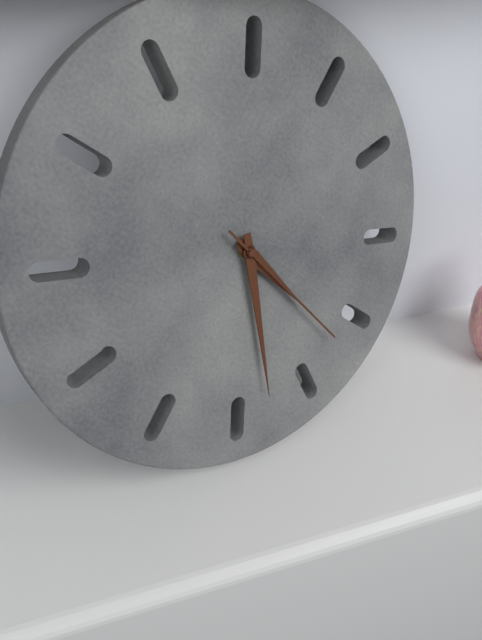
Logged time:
h=3 m=23 s=17
